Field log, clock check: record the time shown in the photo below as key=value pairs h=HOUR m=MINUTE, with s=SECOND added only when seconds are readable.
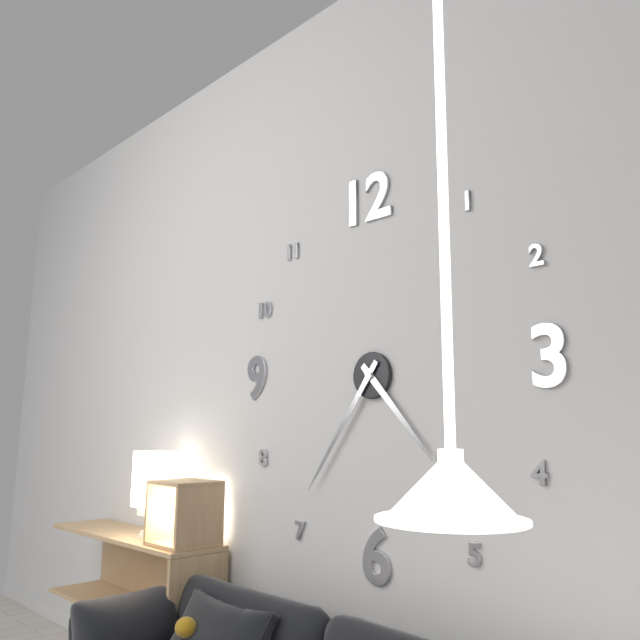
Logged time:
h=4 m=36
